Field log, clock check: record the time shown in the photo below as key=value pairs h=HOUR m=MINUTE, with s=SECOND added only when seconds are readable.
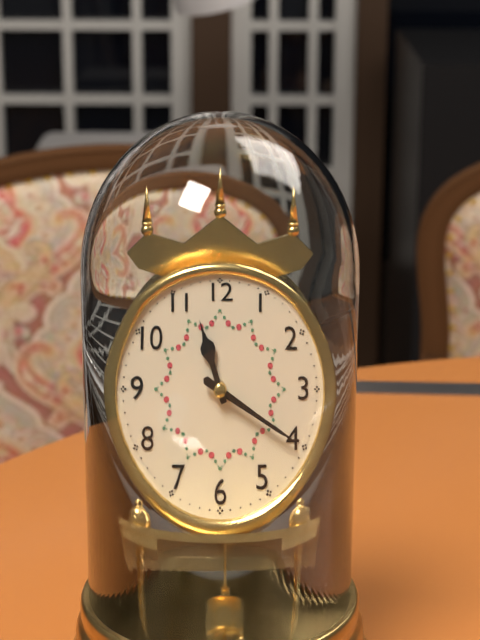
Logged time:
h=11 m=20
